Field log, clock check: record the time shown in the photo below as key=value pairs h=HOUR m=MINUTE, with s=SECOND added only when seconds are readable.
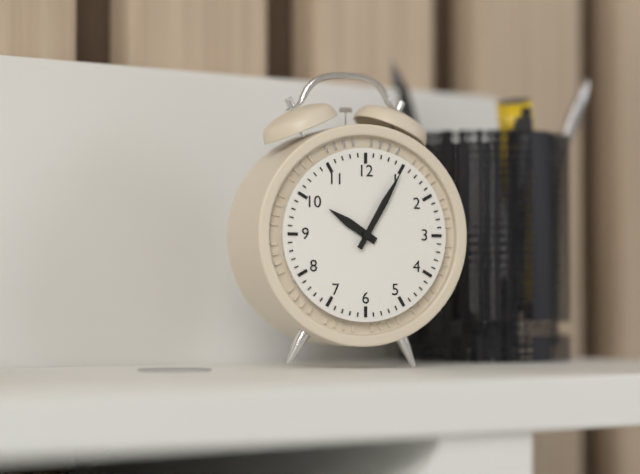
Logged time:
h=10 m=5
